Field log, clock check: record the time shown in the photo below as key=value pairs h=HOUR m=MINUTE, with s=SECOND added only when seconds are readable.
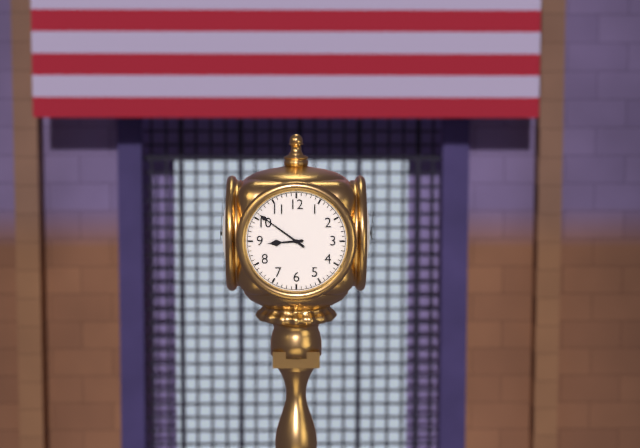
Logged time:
h=8 m=51
